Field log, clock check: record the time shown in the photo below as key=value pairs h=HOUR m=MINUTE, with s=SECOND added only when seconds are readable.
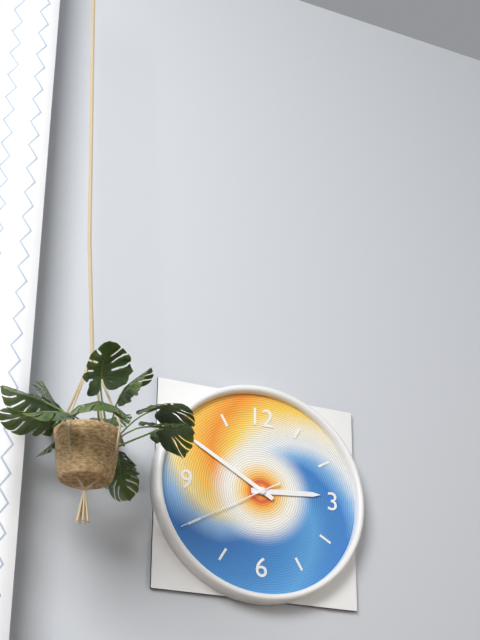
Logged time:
h=2 m=50 s=40
